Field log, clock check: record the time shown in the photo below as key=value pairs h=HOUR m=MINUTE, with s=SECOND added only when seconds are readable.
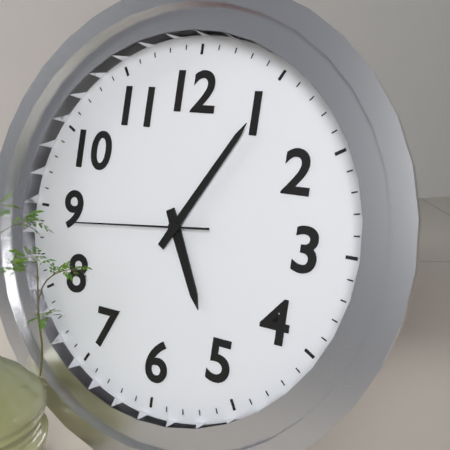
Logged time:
h=5 m=5 s=44
